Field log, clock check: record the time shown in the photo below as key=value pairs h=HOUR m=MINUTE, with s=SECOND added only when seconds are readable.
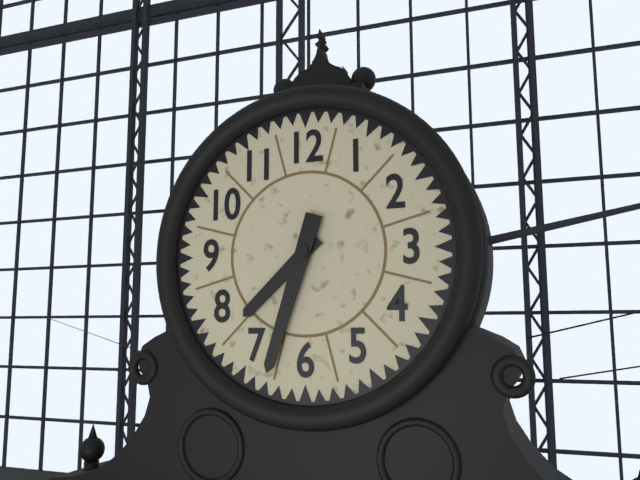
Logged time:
h=7 m=33
